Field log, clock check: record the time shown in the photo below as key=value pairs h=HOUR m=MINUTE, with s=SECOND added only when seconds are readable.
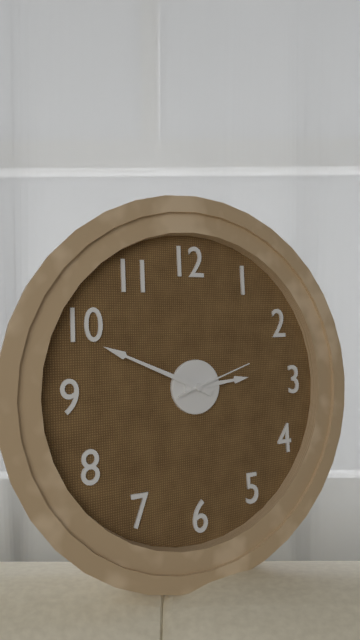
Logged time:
h=2 m=49 s=12
